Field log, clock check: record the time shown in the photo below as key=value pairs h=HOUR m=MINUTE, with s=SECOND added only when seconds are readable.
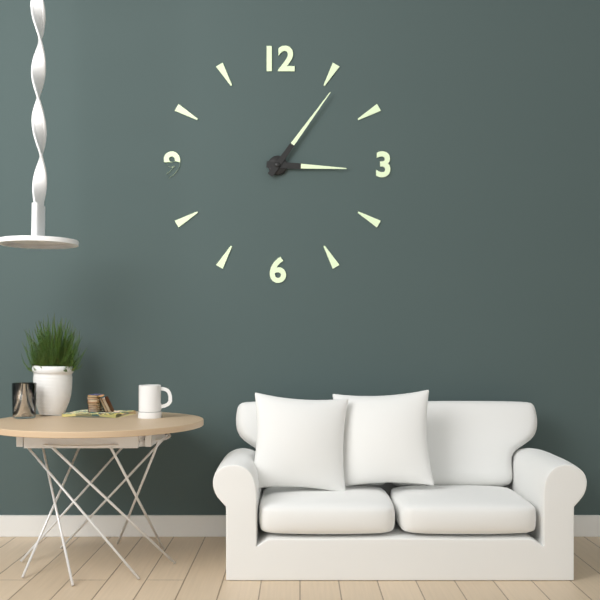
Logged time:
h=3 m=6
